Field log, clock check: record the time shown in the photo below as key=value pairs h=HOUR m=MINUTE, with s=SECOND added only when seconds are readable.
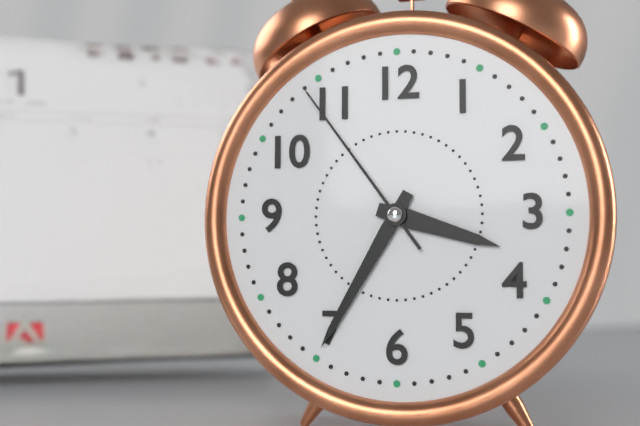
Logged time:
h=3 m=35 s=54
